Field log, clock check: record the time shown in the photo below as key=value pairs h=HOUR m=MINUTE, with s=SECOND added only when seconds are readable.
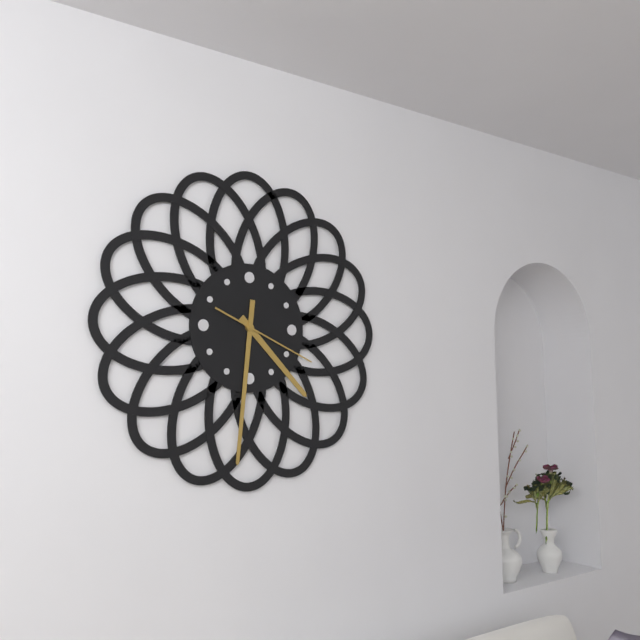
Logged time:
h=4 m=31 s=19
